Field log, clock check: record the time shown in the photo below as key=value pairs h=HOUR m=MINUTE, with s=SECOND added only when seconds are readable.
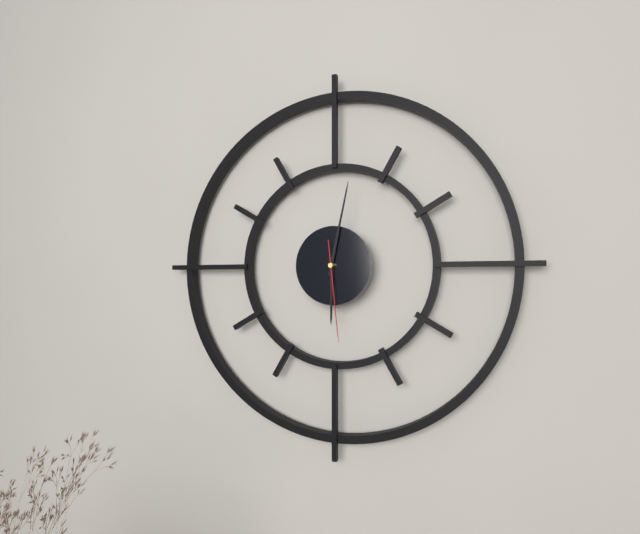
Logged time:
h=6 m=2 s=29
